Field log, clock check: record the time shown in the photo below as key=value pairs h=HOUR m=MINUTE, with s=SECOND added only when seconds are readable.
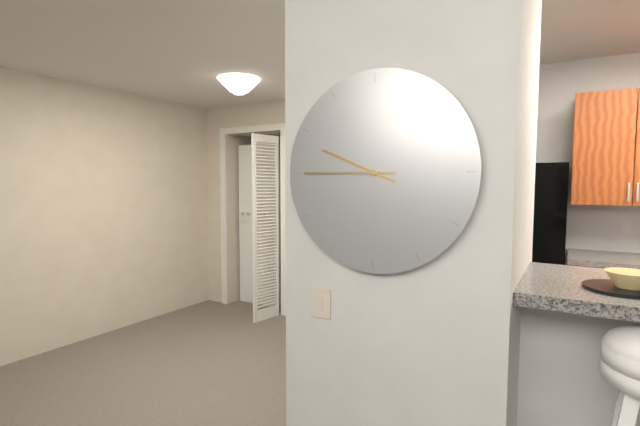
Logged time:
h=9 m=45
